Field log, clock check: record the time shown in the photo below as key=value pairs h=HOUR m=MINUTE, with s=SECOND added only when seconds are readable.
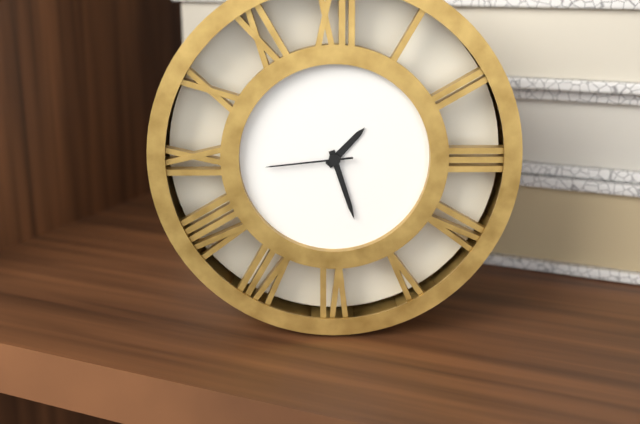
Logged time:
h=1 m=27 s=44
